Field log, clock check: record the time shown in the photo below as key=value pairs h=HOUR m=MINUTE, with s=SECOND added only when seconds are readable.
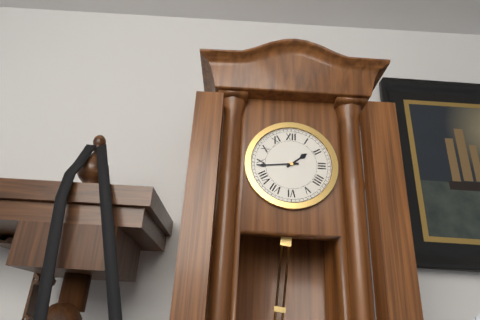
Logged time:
h=1 m=44
